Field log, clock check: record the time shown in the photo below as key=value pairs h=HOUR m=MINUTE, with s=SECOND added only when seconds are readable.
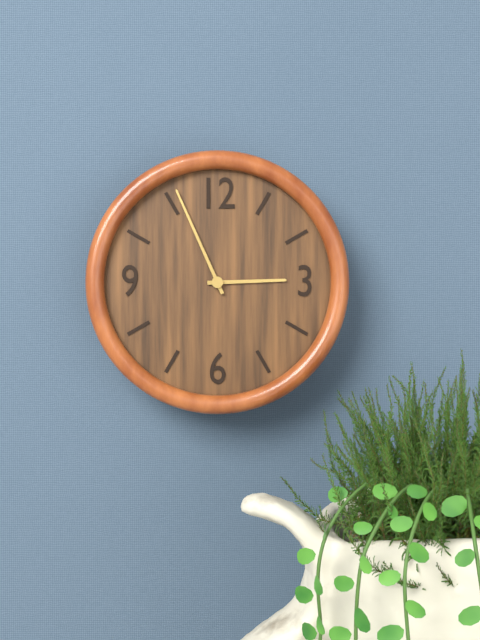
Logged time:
h=2 m=56
